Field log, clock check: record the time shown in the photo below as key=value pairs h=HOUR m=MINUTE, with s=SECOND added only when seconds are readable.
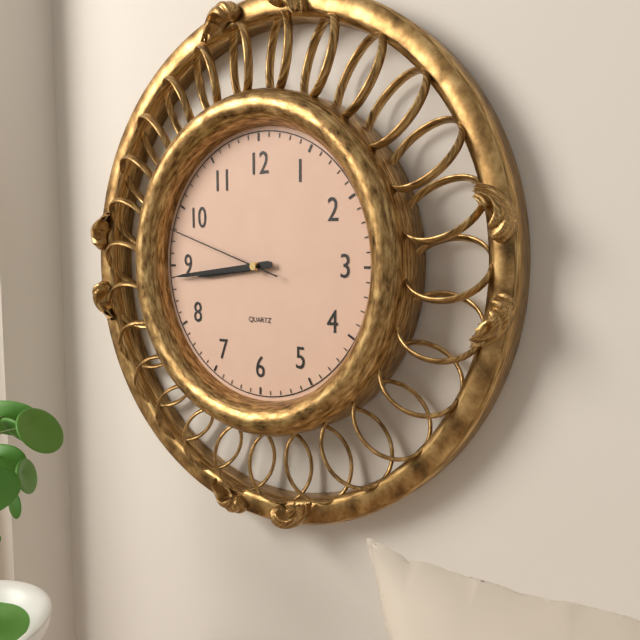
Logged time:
h=8 m=44 s=48
